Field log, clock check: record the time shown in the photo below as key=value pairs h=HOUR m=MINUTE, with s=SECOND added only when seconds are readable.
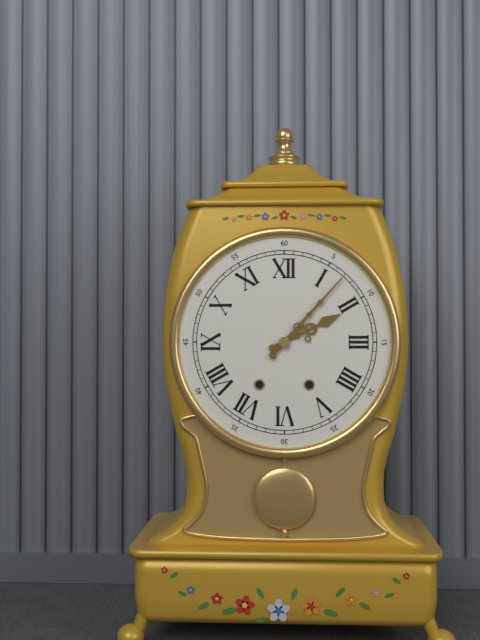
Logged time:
h=2 m=7
